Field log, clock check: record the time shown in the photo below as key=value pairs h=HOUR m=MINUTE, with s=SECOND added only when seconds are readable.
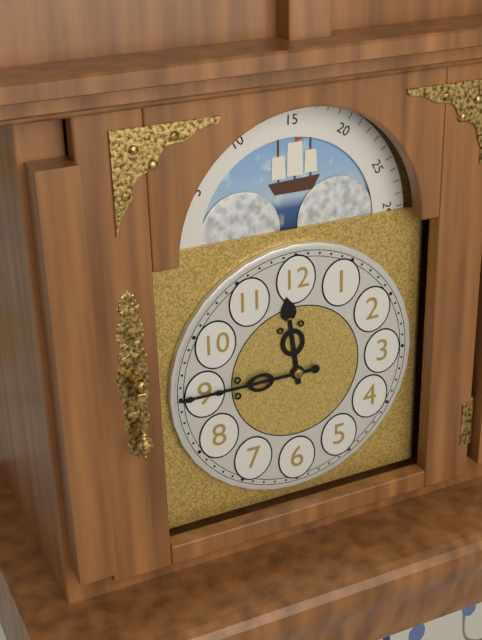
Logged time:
h=11 m=45
